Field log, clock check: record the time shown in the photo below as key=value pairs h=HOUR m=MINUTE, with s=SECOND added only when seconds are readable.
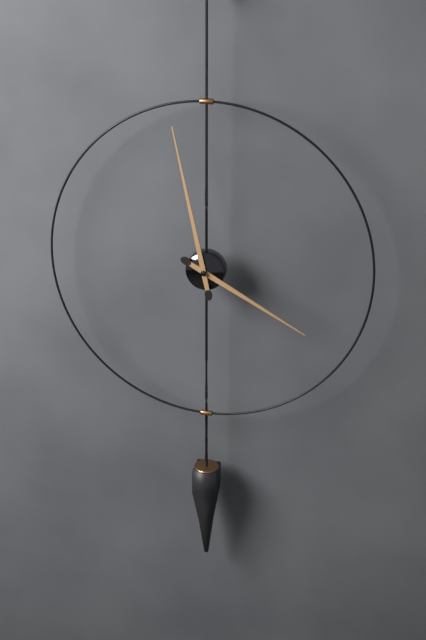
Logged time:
h=3 m=58
